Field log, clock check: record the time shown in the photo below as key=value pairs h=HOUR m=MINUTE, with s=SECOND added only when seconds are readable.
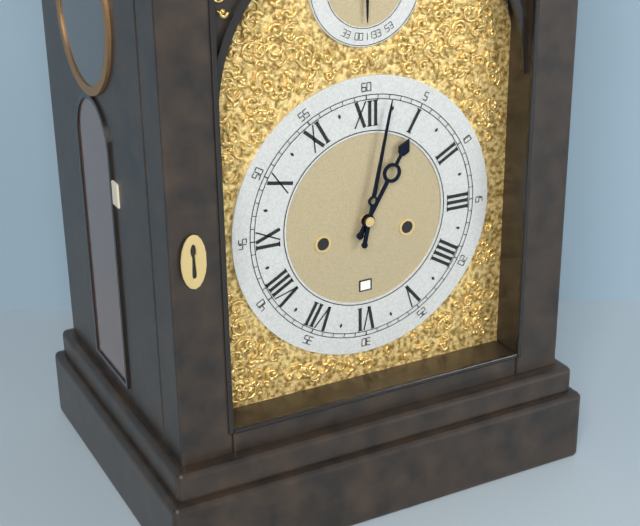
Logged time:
h=1 m=2
